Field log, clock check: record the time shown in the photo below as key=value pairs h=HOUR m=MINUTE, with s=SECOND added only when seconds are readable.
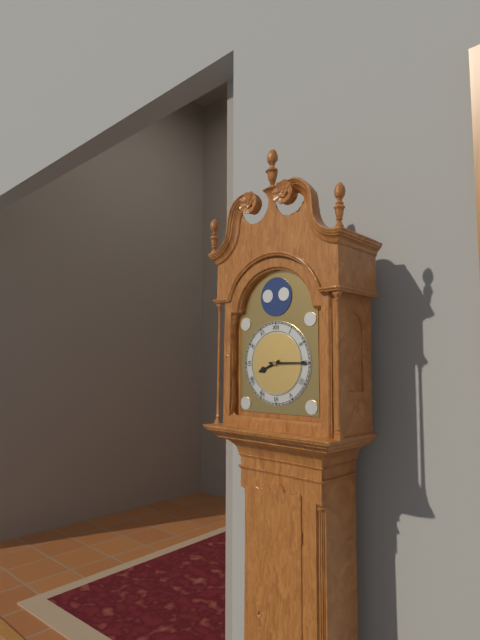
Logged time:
h=8 m=15
